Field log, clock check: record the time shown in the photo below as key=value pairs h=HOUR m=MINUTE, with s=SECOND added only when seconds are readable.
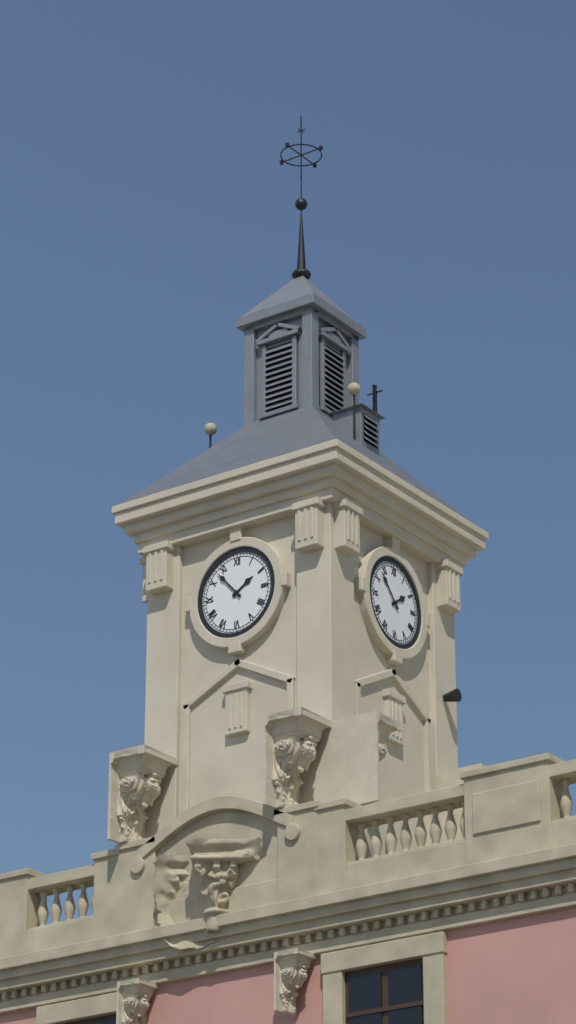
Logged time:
h=1 m=53
